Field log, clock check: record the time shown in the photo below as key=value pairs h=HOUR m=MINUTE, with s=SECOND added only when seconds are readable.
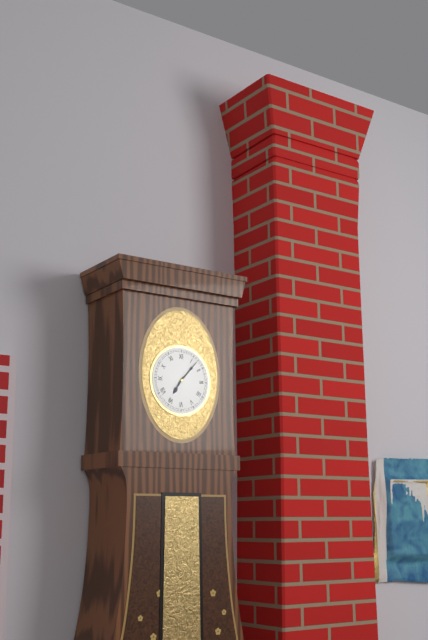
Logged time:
h=7 m=7
